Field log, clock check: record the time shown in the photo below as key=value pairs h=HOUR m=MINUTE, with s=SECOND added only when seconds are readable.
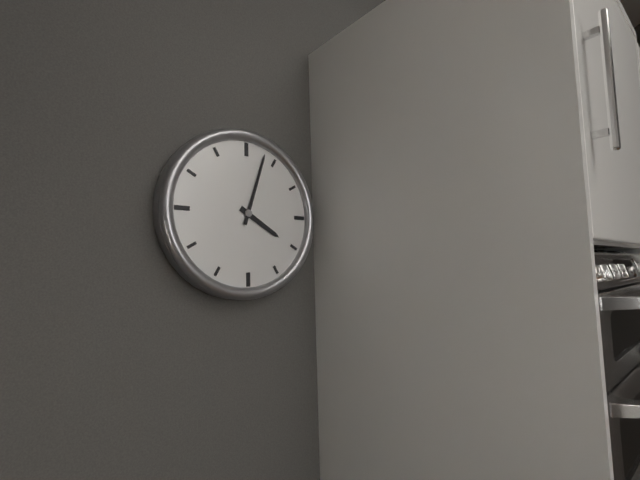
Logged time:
h=4 m=3
